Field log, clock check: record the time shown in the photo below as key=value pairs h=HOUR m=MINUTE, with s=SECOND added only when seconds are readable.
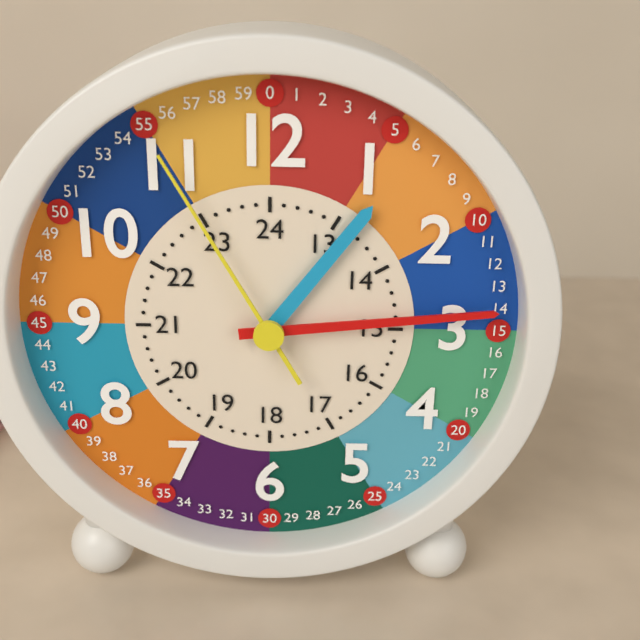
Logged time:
h=1 m=14 s=55
